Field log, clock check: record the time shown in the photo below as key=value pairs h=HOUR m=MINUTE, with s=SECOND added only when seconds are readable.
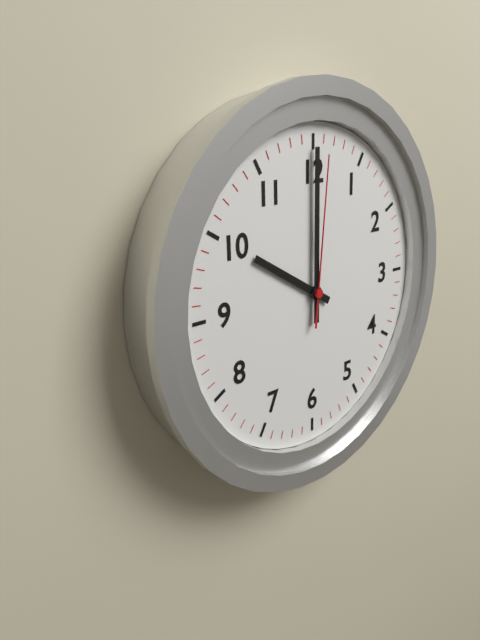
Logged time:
h=10 m=0 s=1
